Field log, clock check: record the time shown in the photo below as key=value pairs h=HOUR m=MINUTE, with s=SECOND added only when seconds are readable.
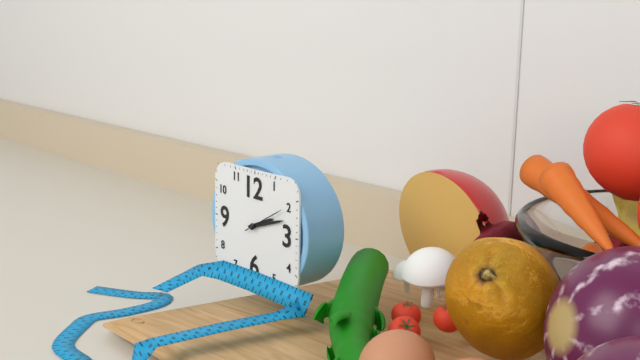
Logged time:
h=2 m=12
